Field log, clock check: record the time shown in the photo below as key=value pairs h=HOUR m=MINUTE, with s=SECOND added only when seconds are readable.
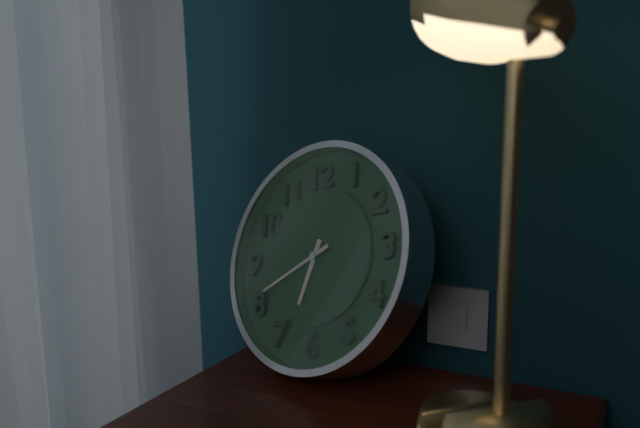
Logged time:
h=6 m=41
